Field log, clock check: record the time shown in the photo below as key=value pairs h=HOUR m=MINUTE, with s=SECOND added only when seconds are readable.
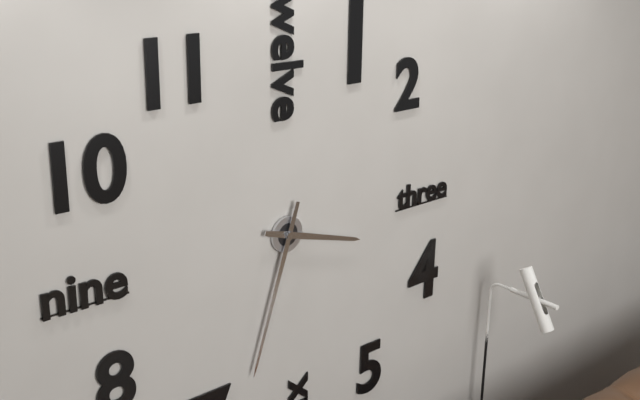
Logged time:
h=3 m=33
